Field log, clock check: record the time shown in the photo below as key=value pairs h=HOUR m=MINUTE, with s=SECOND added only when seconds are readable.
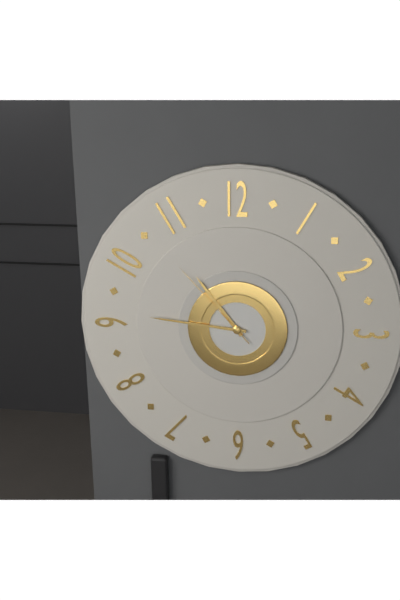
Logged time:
h=10 m=46 s=53
